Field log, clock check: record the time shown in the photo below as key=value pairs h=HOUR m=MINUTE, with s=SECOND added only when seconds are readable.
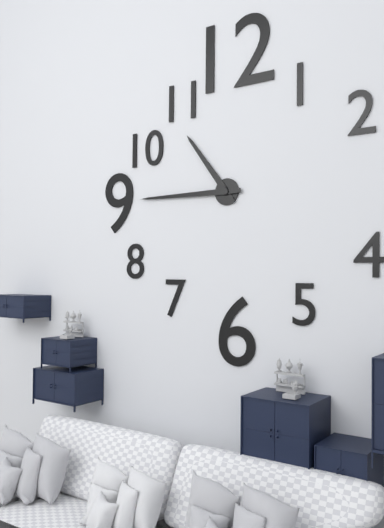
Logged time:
h=10 m=45
